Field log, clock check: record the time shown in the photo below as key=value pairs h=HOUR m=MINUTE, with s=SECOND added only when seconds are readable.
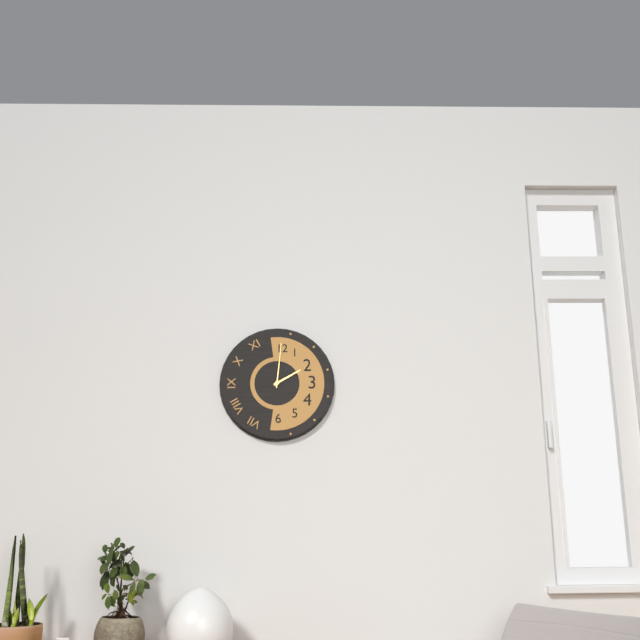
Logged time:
h=2 m=1
